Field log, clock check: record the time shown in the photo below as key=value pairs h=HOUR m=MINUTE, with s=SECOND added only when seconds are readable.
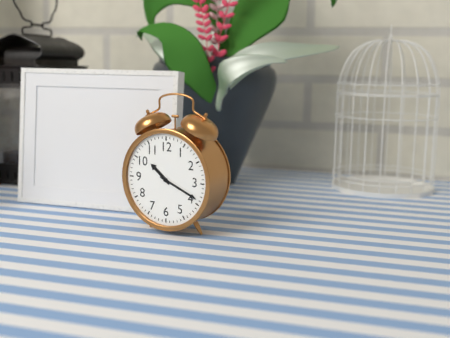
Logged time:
h=10 m=19
